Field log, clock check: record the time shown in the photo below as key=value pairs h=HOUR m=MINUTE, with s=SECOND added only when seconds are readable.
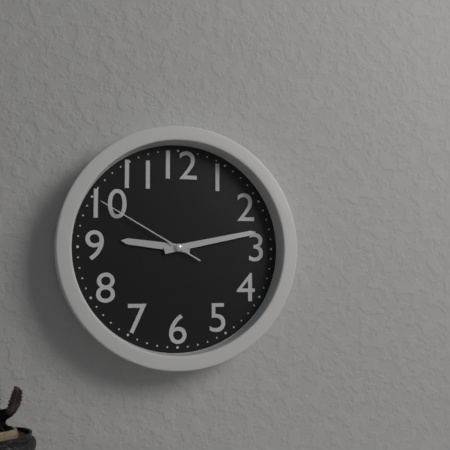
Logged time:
h=9 m=13 s=50
